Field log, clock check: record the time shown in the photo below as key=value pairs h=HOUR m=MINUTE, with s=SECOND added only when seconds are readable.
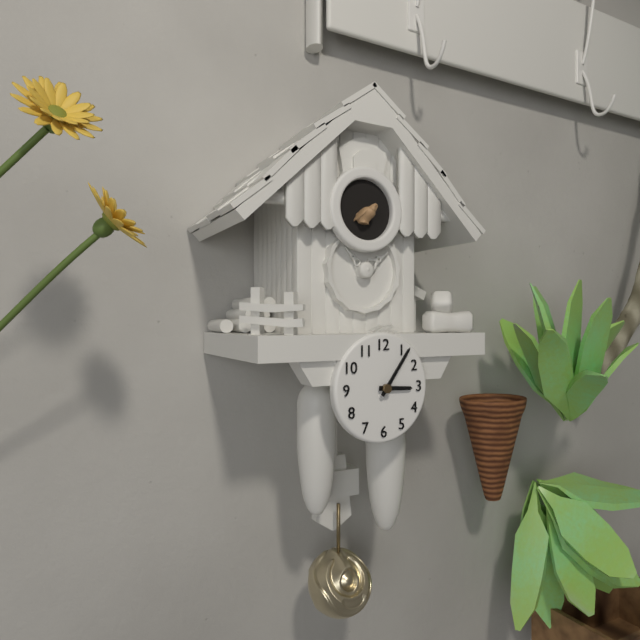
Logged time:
h=3 m=6
